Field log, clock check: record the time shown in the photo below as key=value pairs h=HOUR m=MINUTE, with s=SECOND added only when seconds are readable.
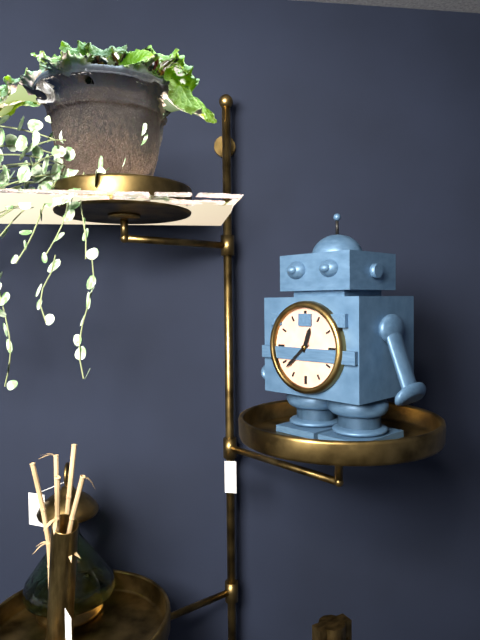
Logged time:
h=12 m=38
